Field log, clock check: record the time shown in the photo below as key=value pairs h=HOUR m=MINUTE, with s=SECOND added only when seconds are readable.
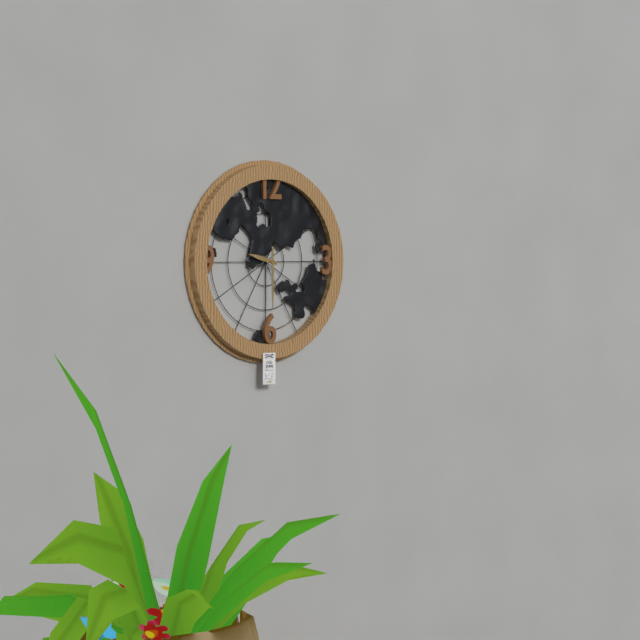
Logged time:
h=9 m=30
